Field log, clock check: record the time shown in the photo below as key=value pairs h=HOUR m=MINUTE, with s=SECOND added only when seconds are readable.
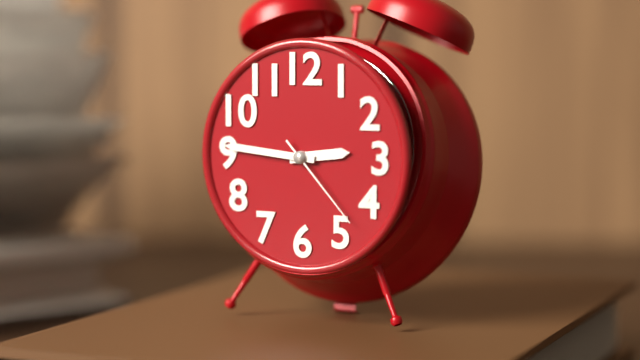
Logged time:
h=2 m=46 s=23
